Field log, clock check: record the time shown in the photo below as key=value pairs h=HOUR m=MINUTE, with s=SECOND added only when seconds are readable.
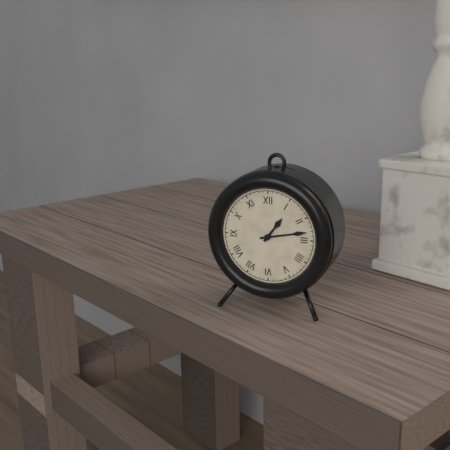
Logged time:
h=1 m=13
